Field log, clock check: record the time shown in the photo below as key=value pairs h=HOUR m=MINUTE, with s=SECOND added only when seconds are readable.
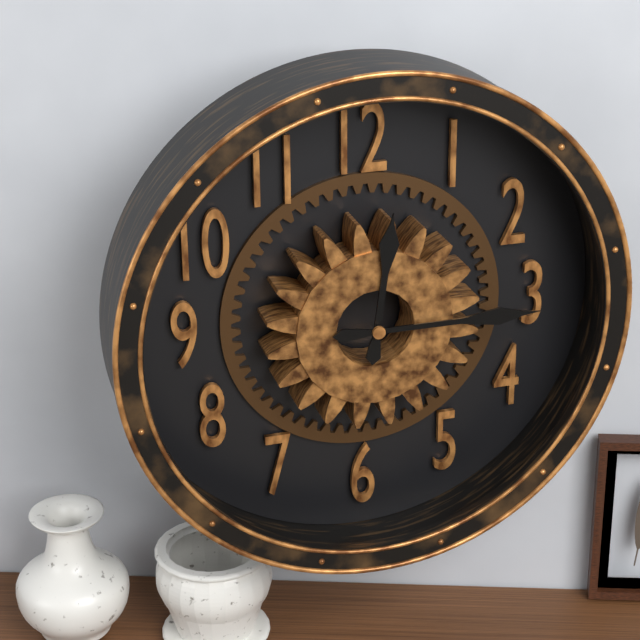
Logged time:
h=12 m=15
